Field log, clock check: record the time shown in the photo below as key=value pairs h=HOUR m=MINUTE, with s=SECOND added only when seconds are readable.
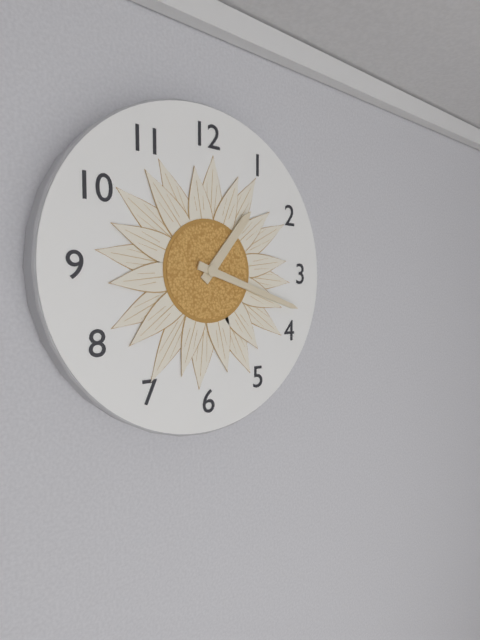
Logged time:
h=1 m=18
